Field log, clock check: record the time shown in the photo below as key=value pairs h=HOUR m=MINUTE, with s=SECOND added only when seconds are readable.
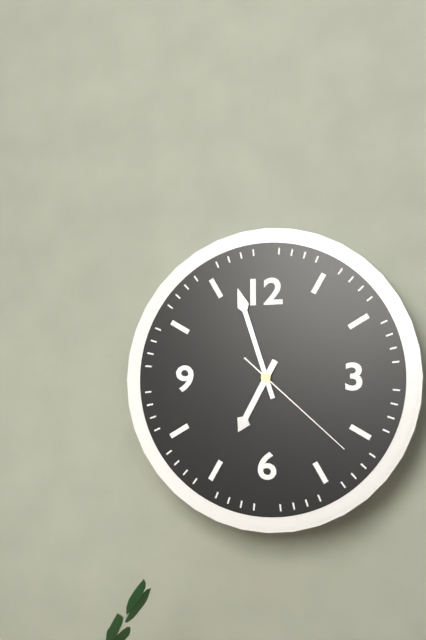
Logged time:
h=6 m=57 s=22
